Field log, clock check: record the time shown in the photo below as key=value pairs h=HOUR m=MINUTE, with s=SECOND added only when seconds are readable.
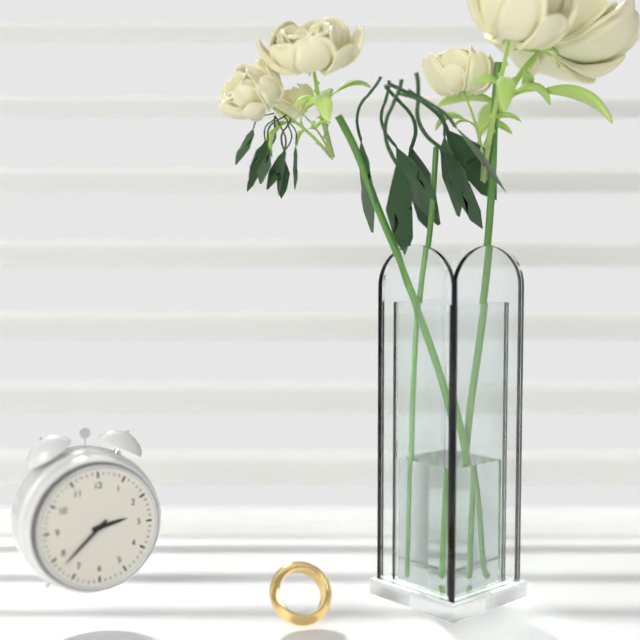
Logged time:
h=2 m=38
